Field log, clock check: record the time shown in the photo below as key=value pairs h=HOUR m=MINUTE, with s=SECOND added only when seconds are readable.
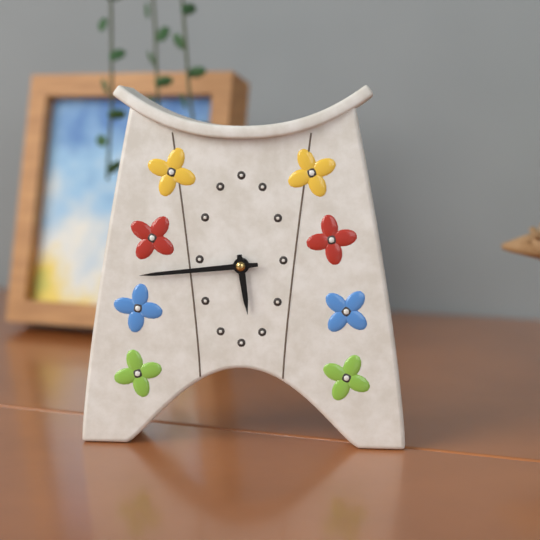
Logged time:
h=5 m=44
